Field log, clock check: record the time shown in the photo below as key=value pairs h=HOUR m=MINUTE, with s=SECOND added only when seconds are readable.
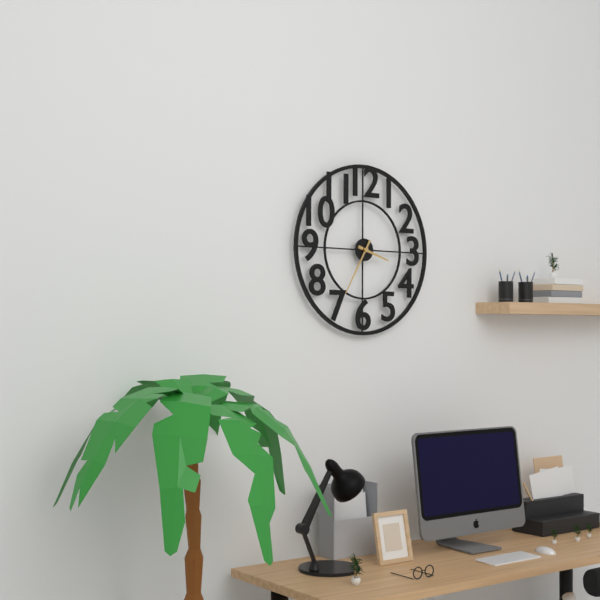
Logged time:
h=3 m=35
